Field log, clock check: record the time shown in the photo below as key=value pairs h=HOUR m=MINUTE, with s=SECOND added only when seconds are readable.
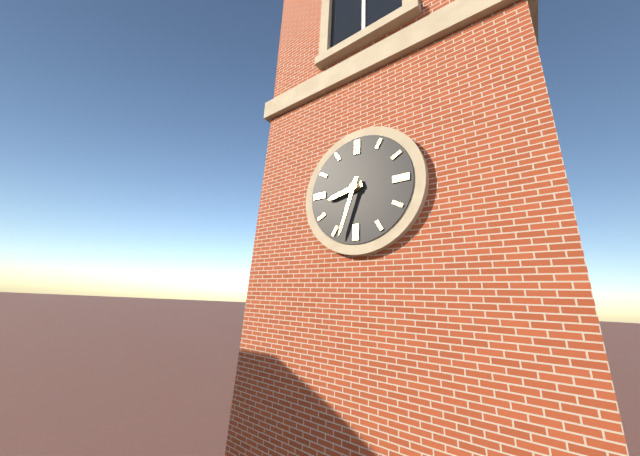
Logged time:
h=8 m=33
